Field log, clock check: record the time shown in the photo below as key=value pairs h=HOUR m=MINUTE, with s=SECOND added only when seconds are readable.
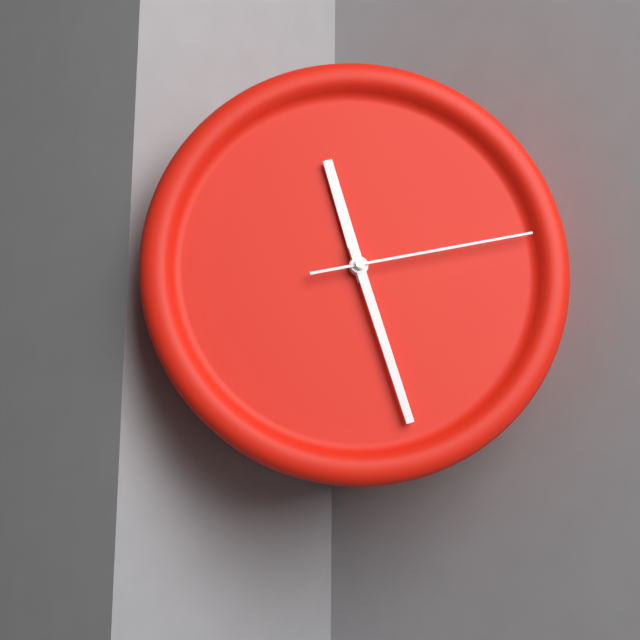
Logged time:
h=11 m=27 s=13
